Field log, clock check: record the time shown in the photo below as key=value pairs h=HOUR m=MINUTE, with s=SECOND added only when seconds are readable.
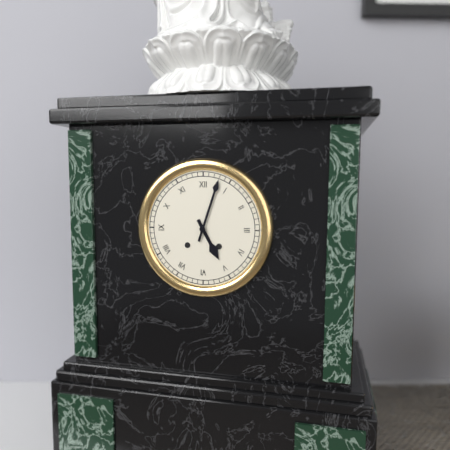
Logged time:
h=5 m=3
